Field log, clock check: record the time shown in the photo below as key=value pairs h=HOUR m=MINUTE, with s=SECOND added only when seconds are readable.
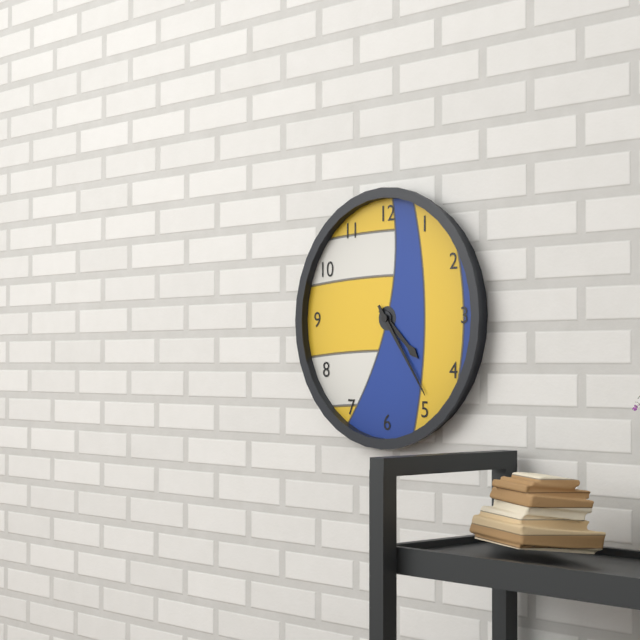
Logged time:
h=4 m=24
